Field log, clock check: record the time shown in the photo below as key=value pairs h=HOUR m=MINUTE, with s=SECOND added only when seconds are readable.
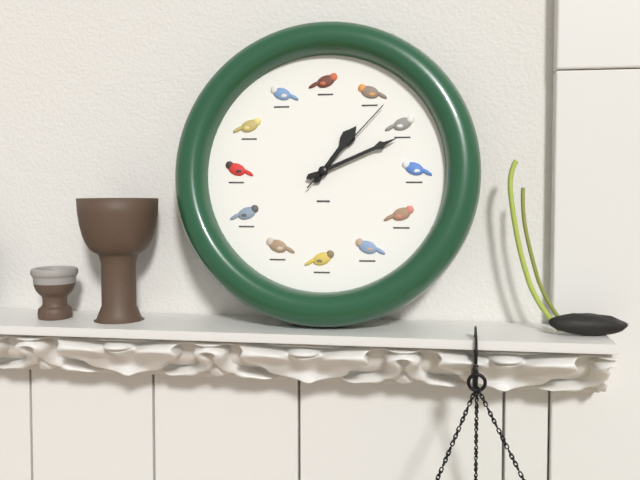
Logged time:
h=1 m=11 s=7
